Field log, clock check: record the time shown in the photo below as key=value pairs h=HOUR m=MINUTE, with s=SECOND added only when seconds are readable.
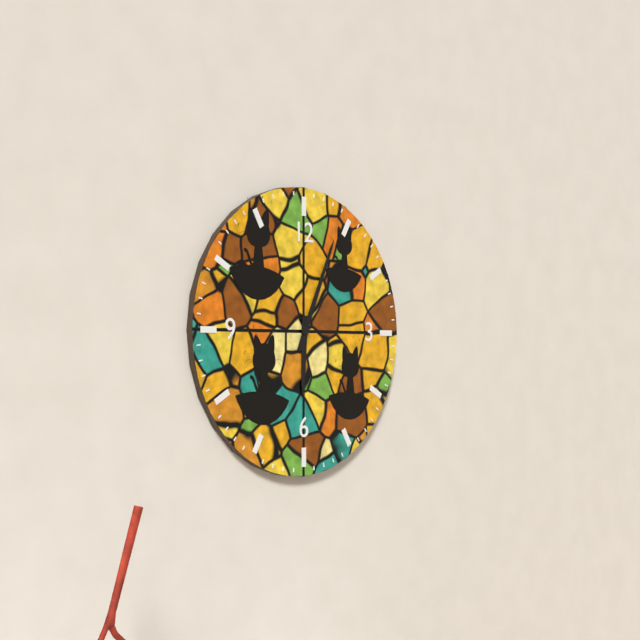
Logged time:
h=6 m=4
